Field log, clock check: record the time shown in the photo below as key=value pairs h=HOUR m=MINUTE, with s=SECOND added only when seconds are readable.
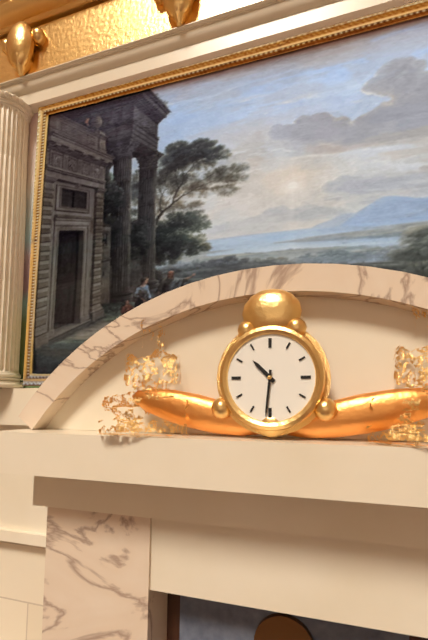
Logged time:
h=10 m=31
